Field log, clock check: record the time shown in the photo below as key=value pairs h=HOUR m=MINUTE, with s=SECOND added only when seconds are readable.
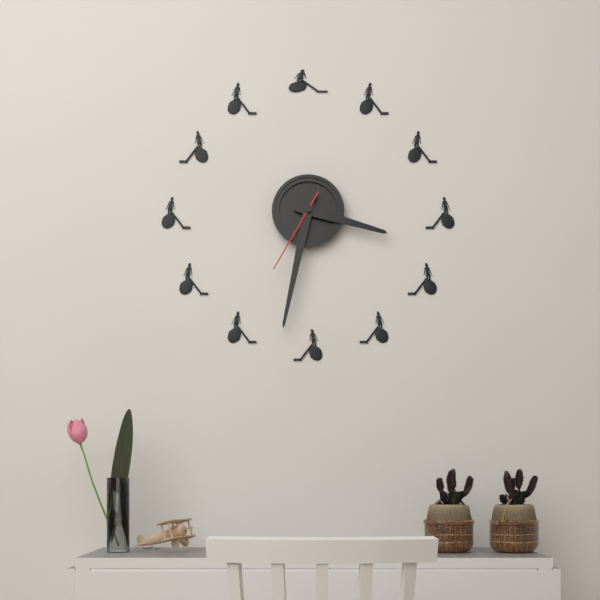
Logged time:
h=3 m=32 s=35
